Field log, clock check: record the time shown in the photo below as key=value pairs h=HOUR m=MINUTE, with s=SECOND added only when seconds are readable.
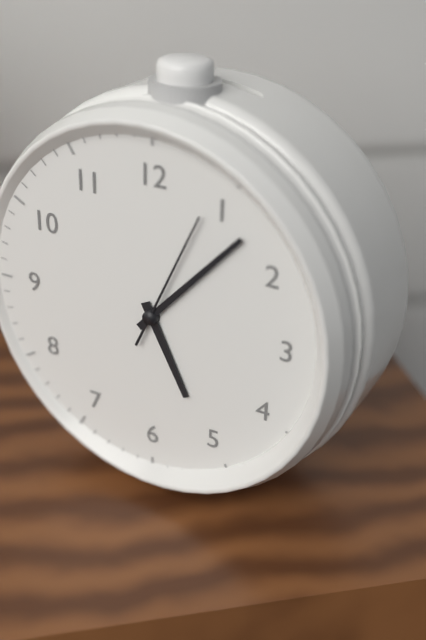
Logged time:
h=5 m=7 s=4
